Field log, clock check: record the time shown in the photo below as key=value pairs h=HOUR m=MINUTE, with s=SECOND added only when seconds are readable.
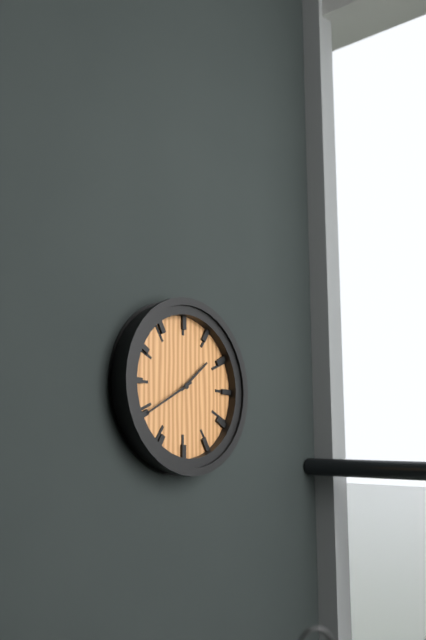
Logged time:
h=1 m=40
